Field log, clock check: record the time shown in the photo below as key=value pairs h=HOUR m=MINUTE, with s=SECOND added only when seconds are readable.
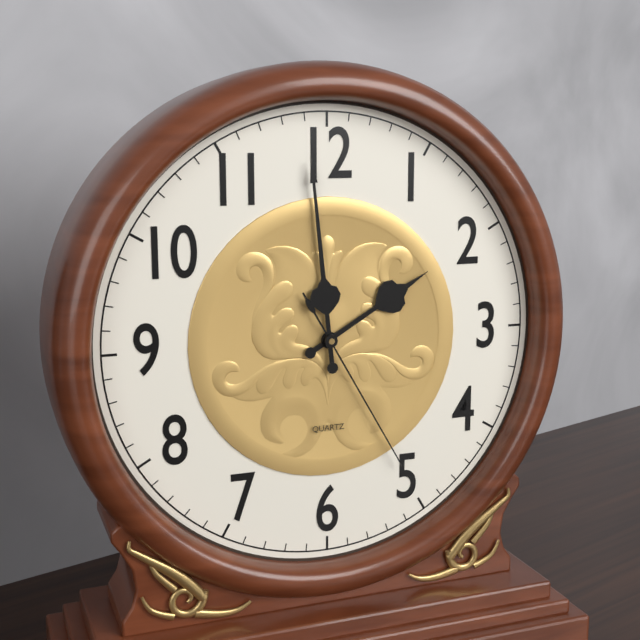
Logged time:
h=1 m=59 s=25
